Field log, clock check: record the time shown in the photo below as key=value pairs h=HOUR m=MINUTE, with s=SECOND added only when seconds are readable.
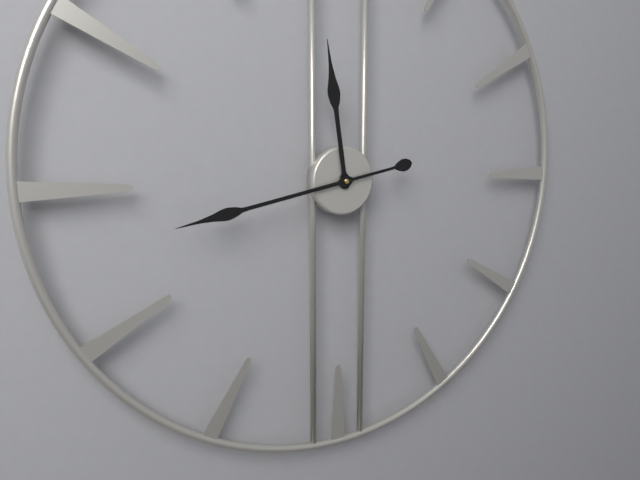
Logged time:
h=11 m=43
